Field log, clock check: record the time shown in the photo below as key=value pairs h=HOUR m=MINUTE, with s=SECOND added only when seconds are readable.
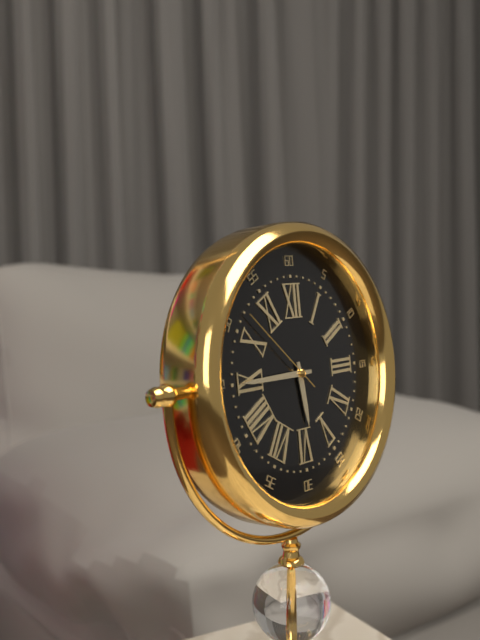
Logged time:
h=5 m=45 s=52
